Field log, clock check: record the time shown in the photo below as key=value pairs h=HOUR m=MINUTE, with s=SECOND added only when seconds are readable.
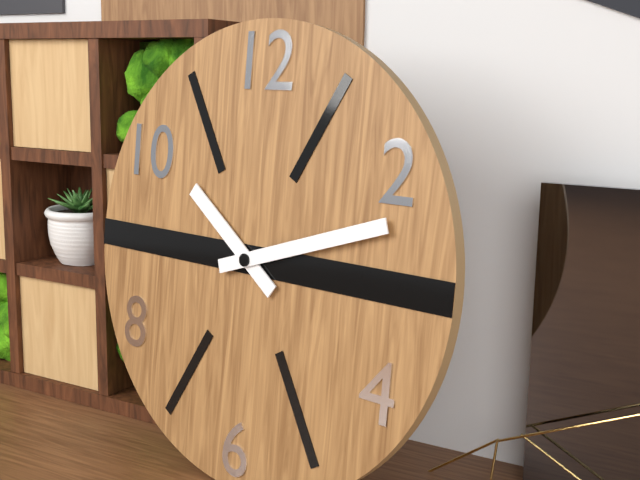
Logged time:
h=10 m=12
